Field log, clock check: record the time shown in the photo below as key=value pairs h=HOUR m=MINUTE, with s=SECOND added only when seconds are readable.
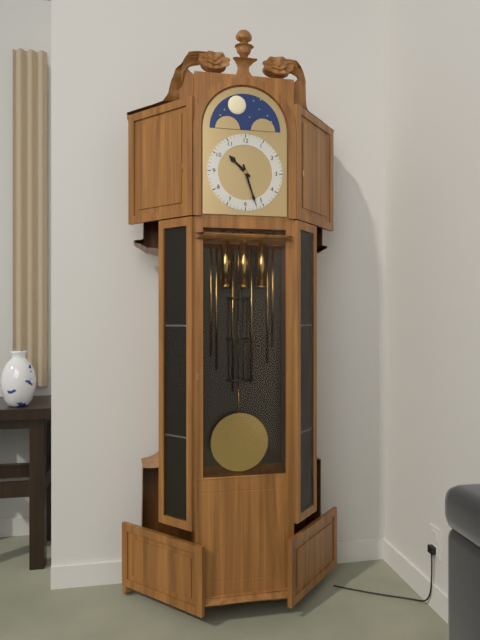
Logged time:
h=10 m=27
